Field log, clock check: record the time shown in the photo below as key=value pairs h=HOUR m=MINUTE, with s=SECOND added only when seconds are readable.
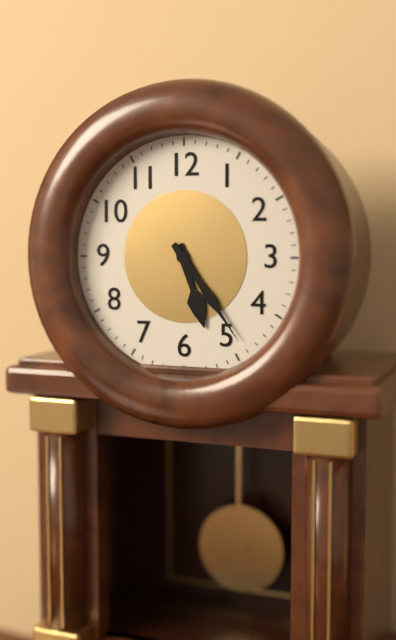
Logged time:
h=5 m=24
